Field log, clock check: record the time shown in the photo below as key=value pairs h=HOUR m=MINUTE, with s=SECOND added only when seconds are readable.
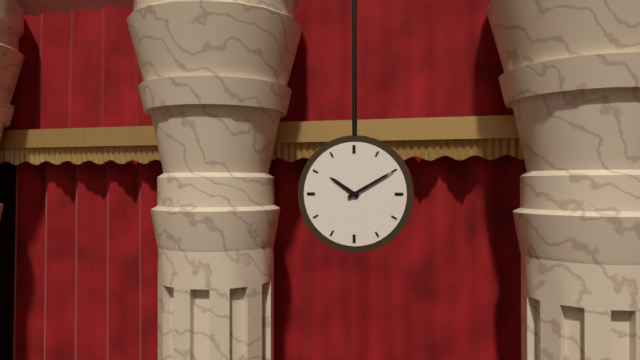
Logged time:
h=10 m=10
